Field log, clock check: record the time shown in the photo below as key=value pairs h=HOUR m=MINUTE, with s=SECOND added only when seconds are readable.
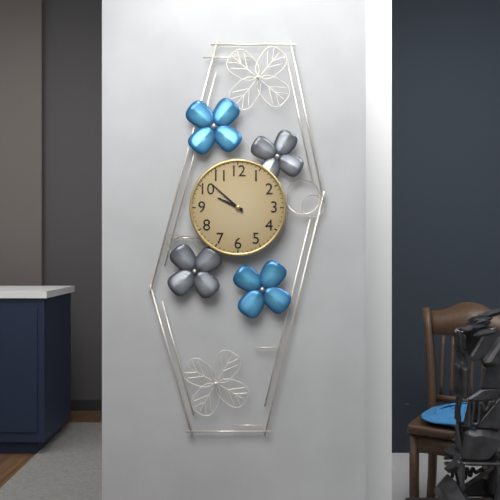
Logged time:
h=9 m=52
